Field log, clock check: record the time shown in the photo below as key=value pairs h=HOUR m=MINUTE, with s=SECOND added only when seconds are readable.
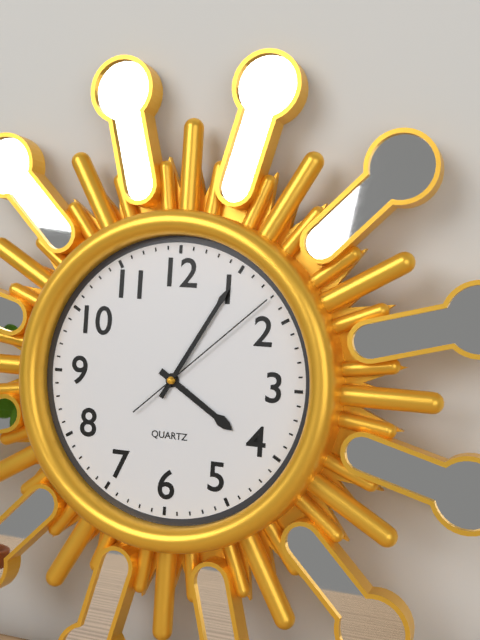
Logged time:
h=4 m=5 s=8
